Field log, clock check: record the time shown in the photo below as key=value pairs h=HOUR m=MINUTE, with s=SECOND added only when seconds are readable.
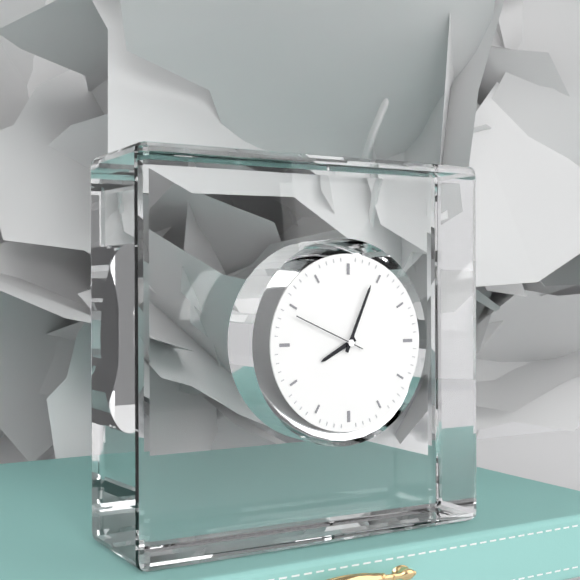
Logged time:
h=8 m=4 s=49
